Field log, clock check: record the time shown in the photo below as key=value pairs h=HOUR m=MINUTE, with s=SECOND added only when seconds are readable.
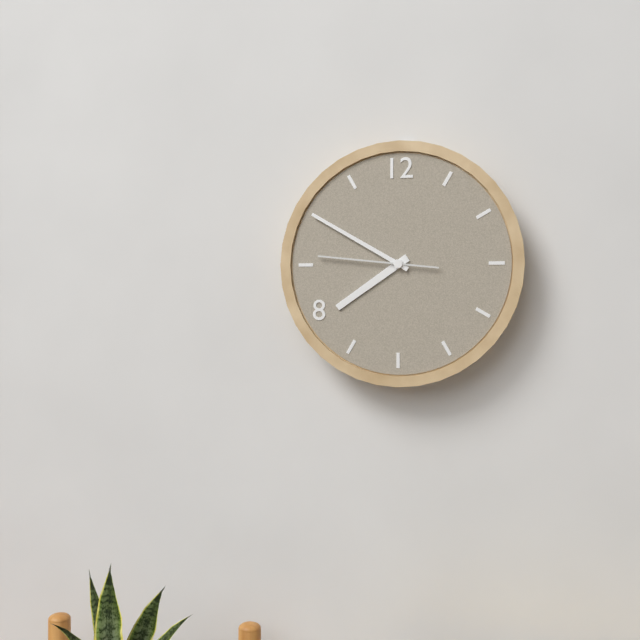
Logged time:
h=7 m=50 s=46
